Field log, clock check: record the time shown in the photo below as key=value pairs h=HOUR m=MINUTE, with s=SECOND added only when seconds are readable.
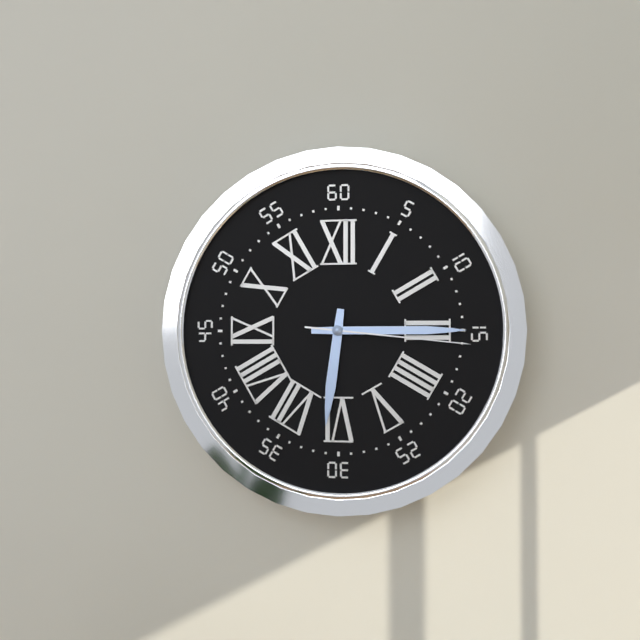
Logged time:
h=6 m=15 s=16
